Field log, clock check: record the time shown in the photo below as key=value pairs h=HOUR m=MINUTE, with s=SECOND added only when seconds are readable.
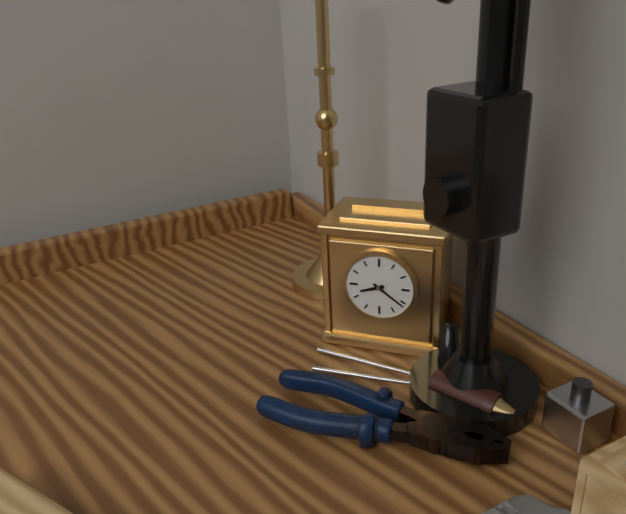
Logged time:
h=8 m=21
